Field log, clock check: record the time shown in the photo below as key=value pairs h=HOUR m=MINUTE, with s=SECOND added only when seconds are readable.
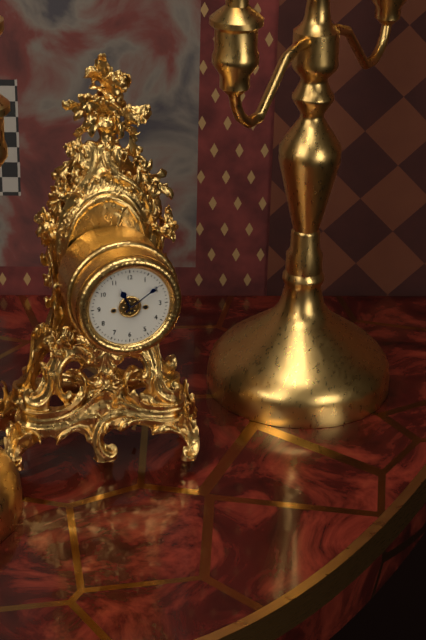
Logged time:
h=11 m=9
